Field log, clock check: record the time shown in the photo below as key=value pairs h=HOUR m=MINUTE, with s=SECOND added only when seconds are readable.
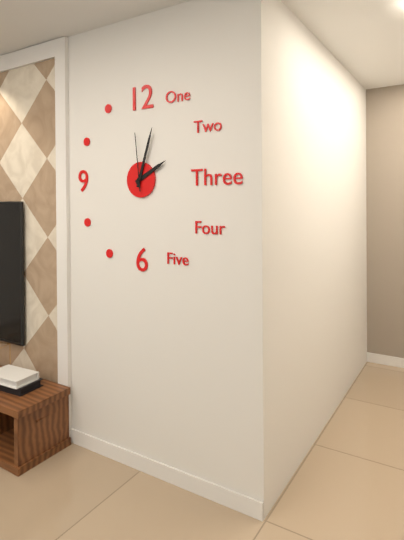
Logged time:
h=2 m=3 s=59
